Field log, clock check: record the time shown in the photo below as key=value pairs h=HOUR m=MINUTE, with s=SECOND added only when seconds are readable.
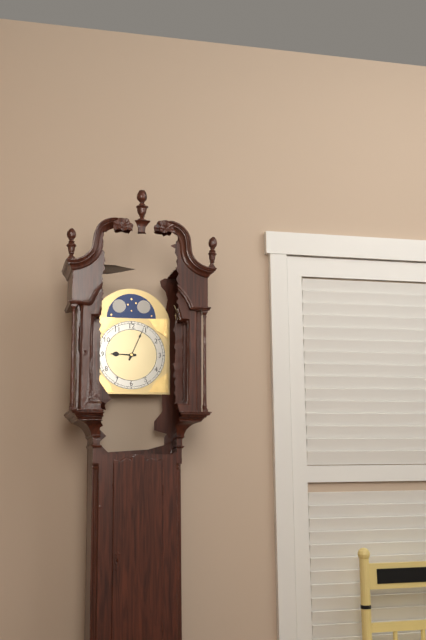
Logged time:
h=9 m=4
